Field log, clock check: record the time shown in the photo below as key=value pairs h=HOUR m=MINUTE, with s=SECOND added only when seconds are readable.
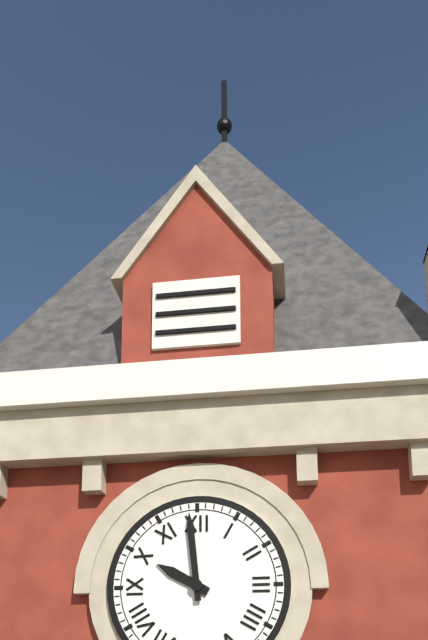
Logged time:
h=9 m=59
